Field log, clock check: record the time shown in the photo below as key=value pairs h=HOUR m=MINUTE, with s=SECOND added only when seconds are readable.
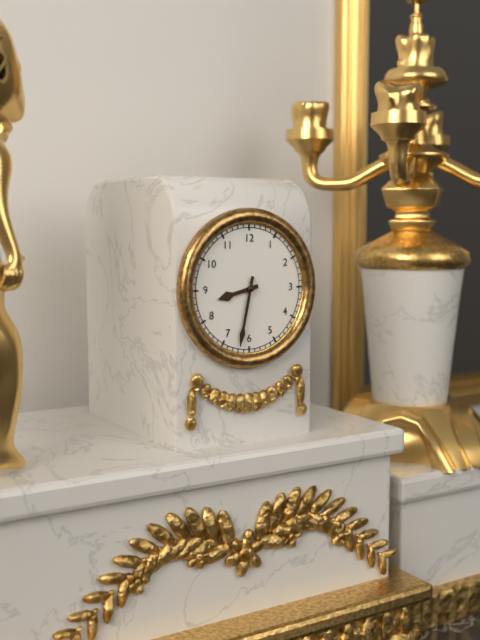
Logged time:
h=8 m=32
